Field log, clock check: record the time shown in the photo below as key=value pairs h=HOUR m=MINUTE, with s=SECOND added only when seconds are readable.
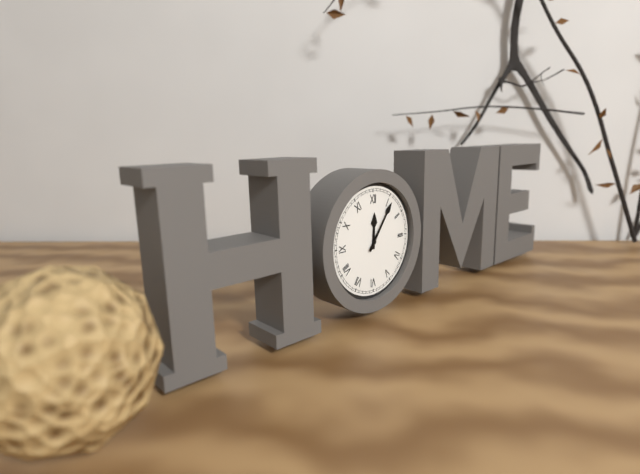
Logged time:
h=12 m=6
